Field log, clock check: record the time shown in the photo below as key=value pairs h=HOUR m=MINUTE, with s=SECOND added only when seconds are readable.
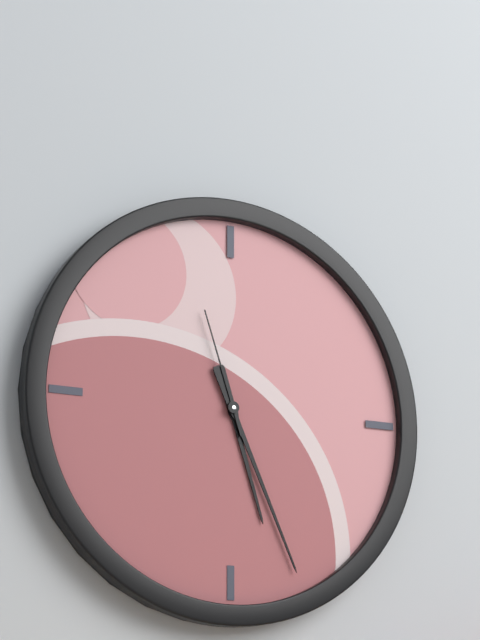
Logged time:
h=5 m=26 s=57
